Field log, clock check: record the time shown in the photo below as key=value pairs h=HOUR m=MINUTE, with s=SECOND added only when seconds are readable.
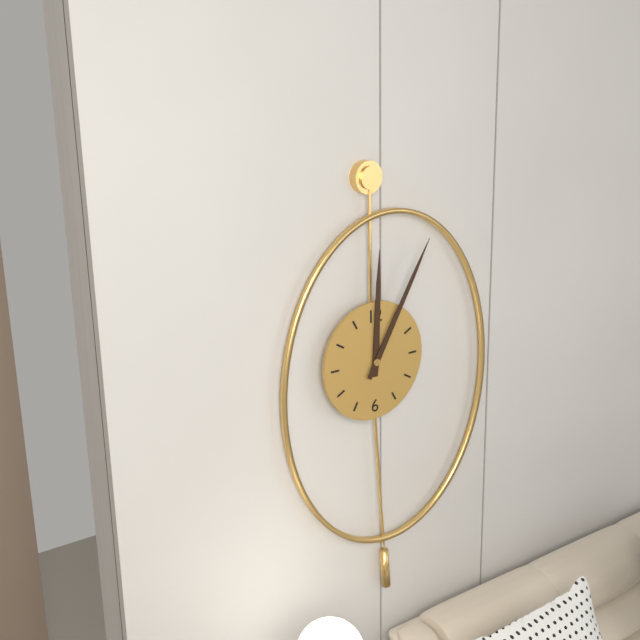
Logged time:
h=12 m=5
